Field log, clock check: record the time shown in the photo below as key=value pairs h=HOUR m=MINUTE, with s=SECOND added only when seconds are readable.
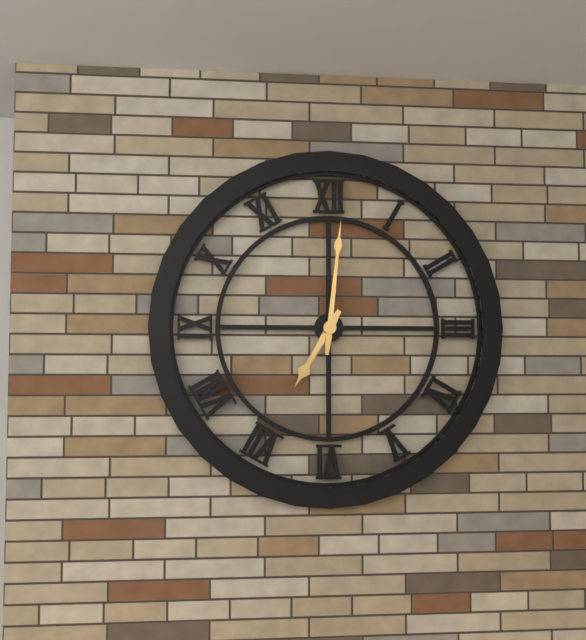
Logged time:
h=7 m=1
